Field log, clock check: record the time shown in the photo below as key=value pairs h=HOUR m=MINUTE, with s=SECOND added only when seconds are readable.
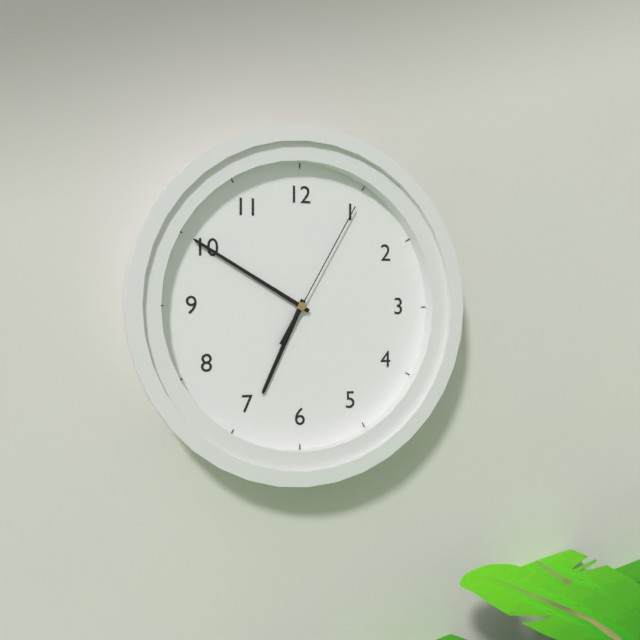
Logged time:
h=6 m=50 s=5
